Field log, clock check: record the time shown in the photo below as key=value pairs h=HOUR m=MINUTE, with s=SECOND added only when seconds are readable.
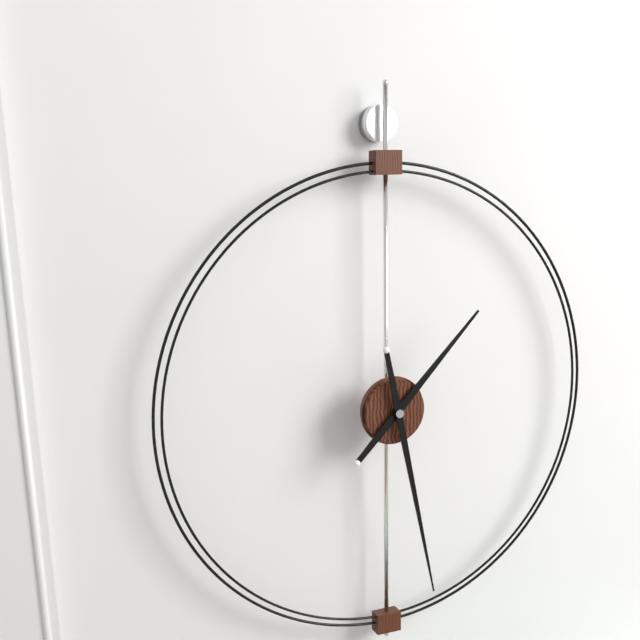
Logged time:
h=1 m=28
